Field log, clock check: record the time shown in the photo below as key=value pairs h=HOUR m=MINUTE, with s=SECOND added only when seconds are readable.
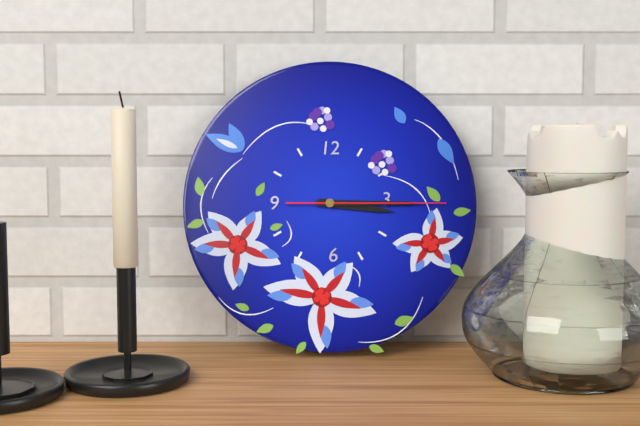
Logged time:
h=3 m=15 s=15
